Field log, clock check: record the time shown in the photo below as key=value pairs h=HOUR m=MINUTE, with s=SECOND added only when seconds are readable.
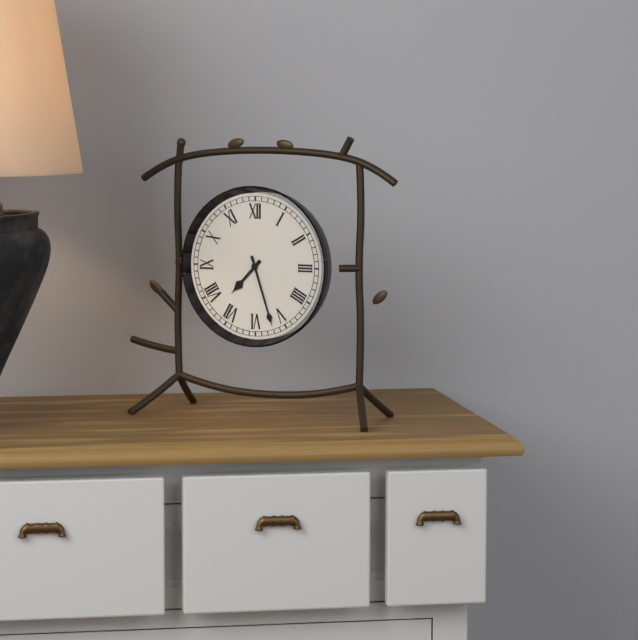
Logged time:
h=7 m=27
